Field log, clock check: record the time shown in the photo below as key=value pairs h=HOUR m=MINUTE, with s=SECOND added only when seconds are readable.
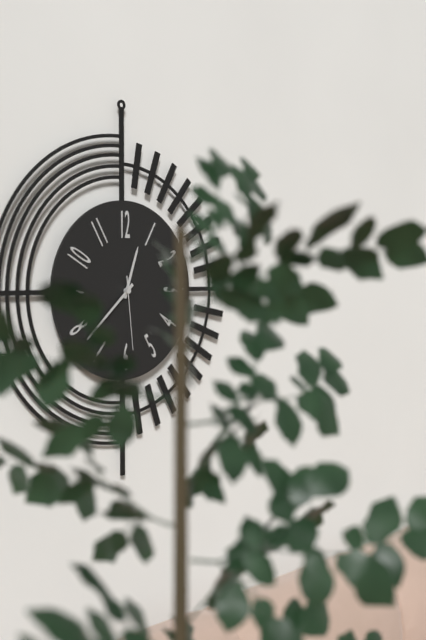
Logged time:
h=12 m=38 s=29
